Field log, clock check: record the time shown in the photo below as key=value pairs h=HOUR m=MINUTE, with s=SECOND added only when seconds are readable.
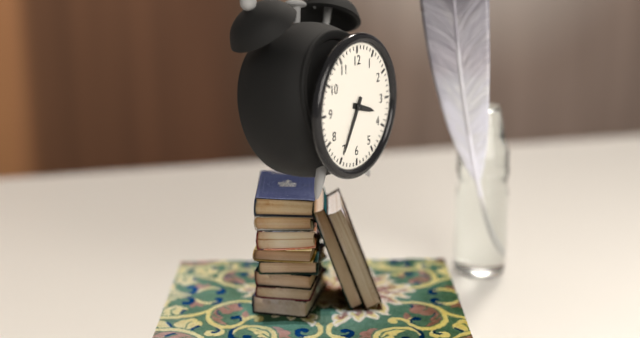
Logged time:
h=3 m=35
